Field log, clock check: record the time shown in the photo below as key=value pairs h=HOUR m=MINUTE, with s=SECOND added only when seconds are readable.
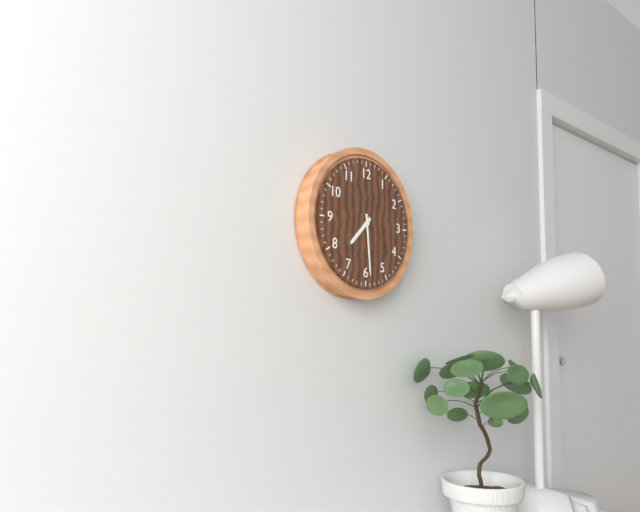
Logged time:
h=7 m=29
